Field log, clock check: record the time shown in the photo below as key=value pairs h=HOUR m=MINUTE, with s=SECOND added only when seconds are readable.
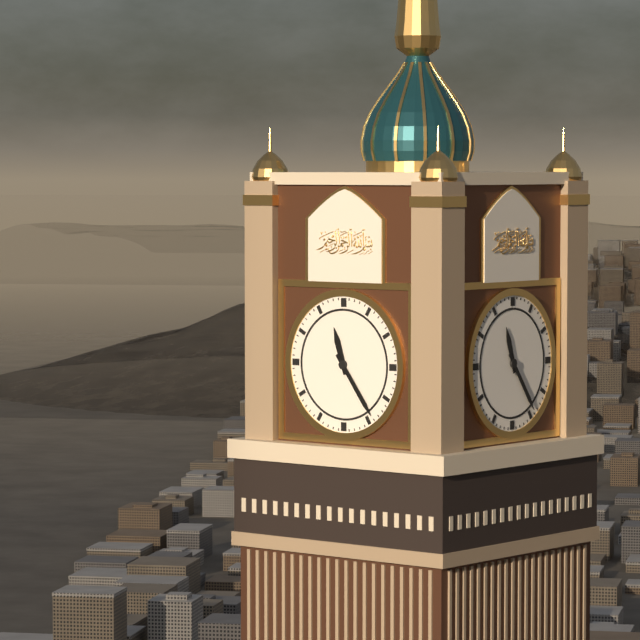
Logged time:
h=11 m=24
